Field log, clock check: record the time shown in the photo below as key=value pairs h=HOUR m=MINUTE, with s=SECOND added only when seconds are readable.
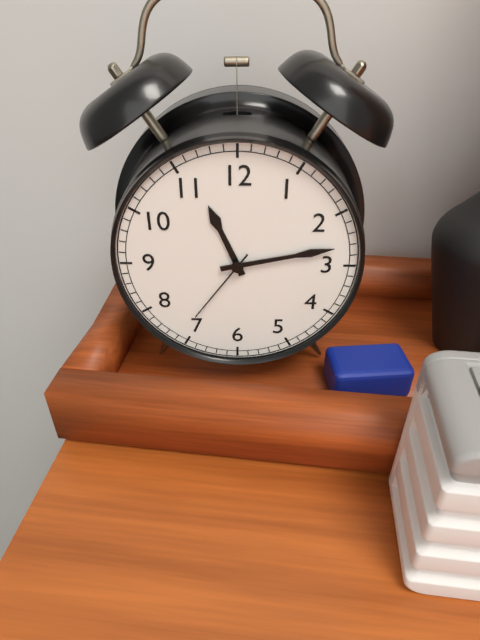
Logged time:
h=11 m=13 s=36
